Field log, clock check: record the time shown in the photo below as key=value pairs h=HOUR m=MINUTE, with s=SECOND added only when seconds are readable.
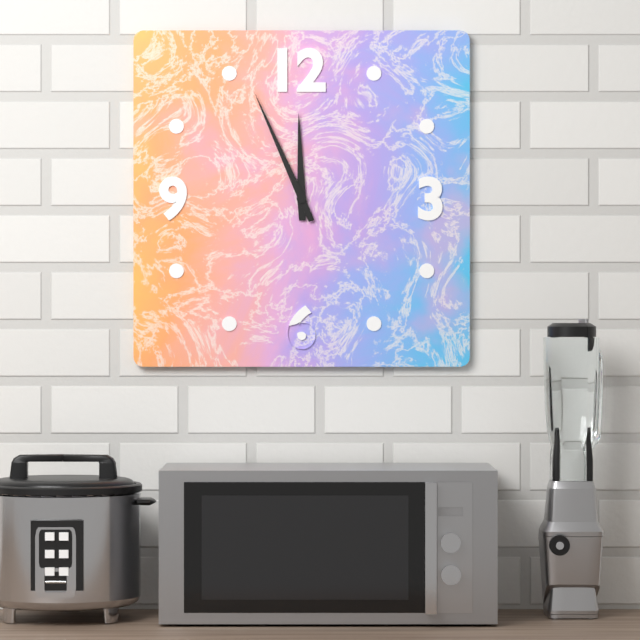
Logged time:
h=11 m=56
